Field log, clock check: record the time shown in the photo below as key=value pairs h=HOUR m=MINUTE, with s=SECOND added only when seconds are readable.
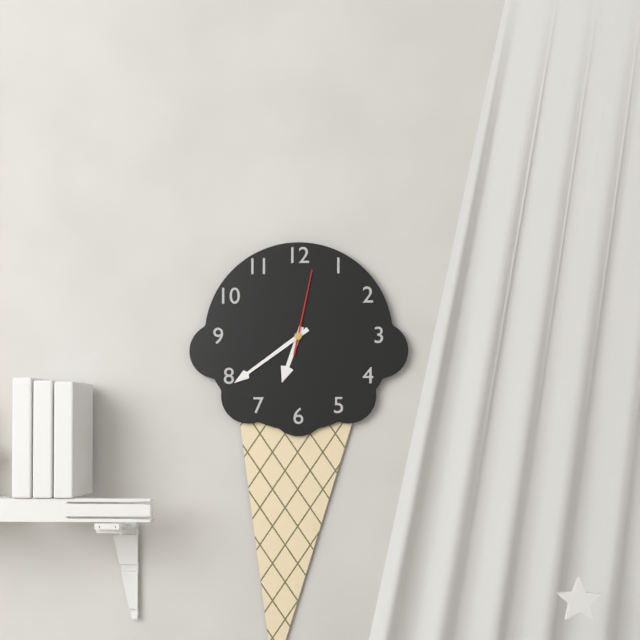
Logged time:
h=6 m=39 s=2
